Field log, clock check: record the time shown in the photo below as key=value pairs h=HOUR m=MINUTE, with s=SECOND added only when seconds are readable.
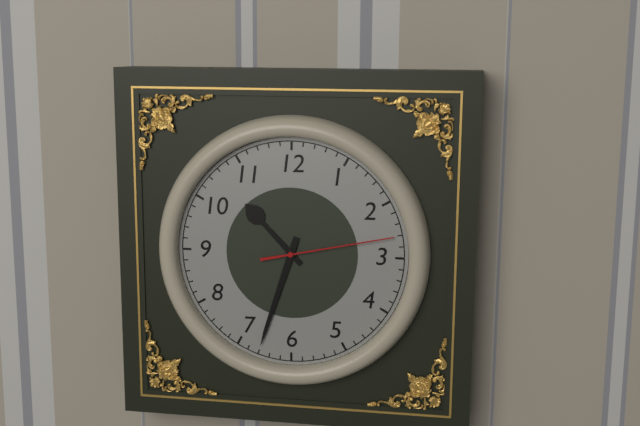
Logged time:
h=10 m=33 s=13
